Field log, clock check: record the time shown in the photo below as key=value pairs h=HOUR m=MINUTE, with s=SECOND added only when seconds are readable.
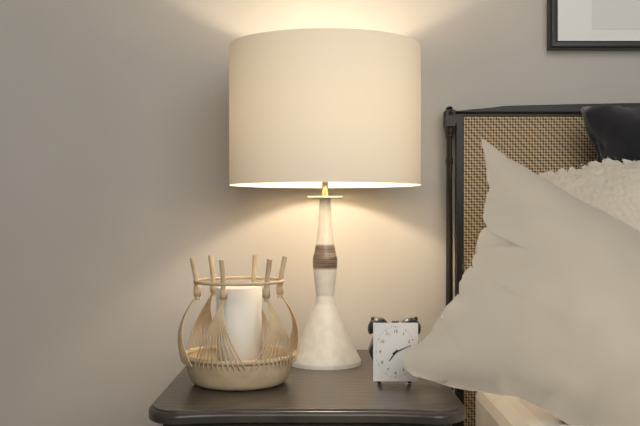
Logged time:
h=7 m=11
